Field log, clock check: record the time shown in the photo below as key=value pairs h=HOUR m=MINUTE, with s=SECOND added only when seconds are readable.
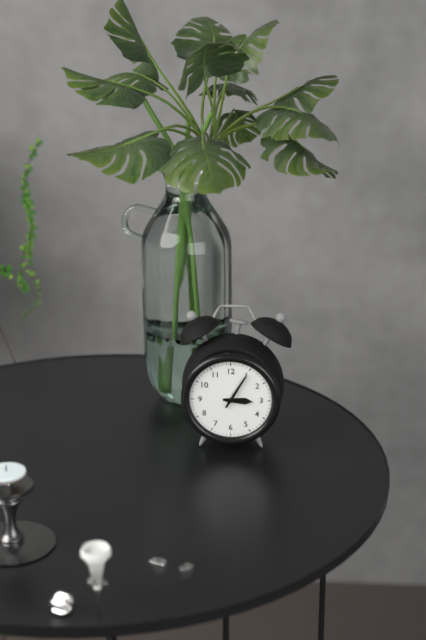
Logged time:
h=3 m=5
